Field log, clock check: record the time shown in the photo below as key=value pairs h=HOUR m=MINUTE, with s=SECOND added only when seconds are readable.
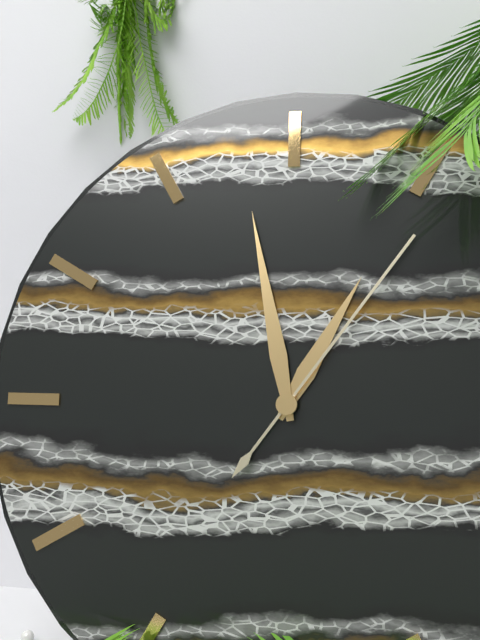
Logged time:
h=12 m=58 s=6
